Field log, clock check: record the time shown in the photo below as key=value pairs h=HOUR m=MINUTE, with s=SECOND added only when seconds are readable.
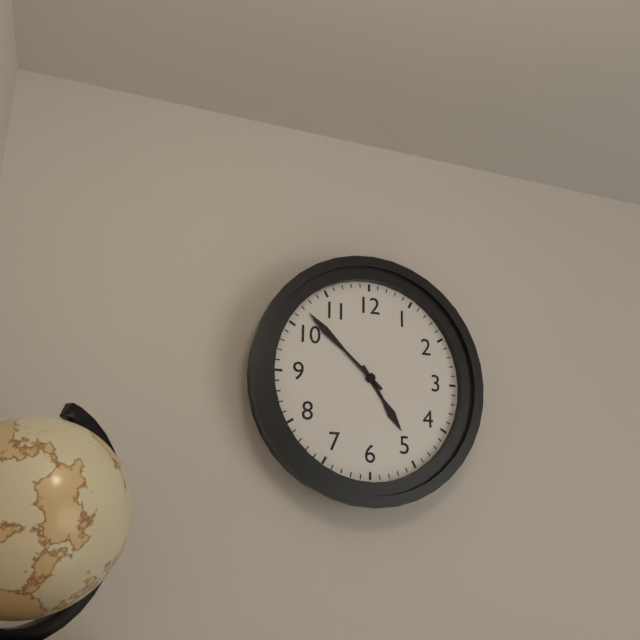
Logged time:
h=4 m=52
